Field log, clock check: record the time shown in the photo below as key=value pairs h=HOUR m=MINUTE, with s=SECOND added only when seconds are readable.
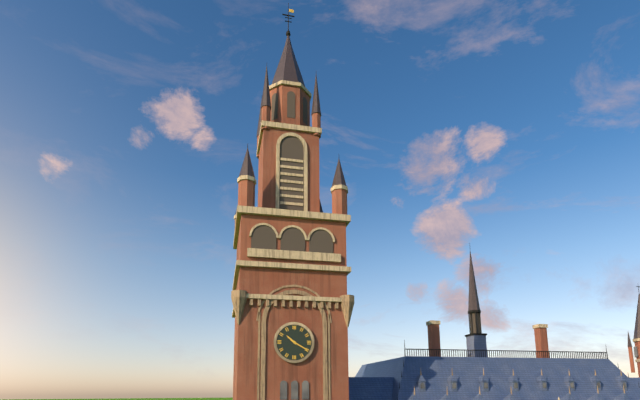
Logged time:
h=10 m=20
